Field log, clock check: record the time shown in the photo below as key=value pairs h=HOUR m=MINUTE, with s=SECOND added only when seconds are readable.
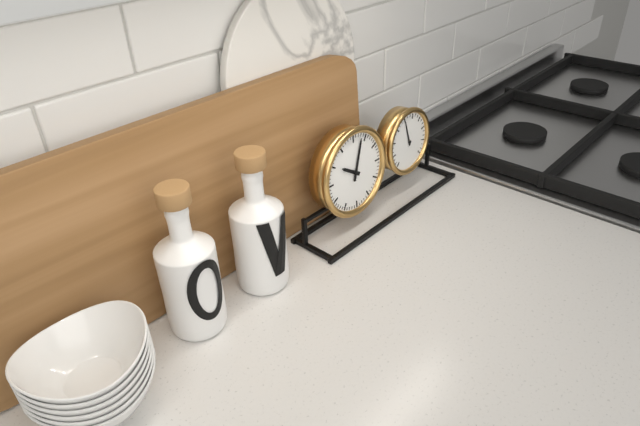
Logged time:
h=10 m=3
